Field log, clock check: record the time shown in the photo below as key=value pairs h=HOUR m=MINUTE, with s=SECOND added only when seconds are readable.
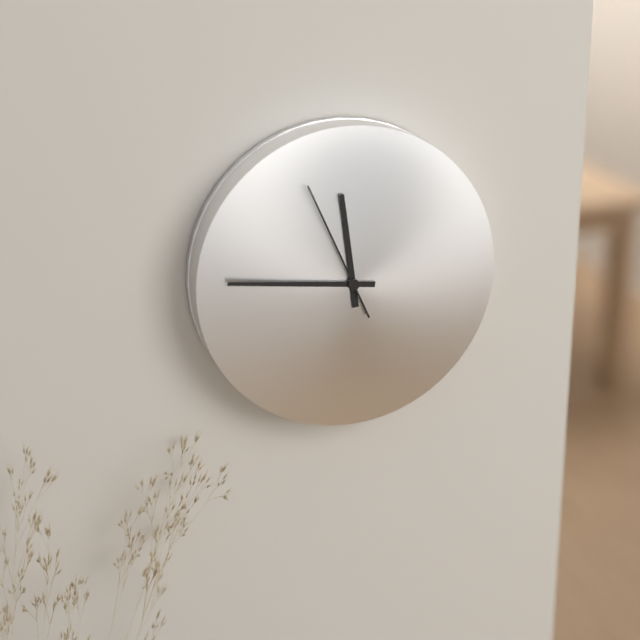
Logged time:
h=11 m=46 s=56
